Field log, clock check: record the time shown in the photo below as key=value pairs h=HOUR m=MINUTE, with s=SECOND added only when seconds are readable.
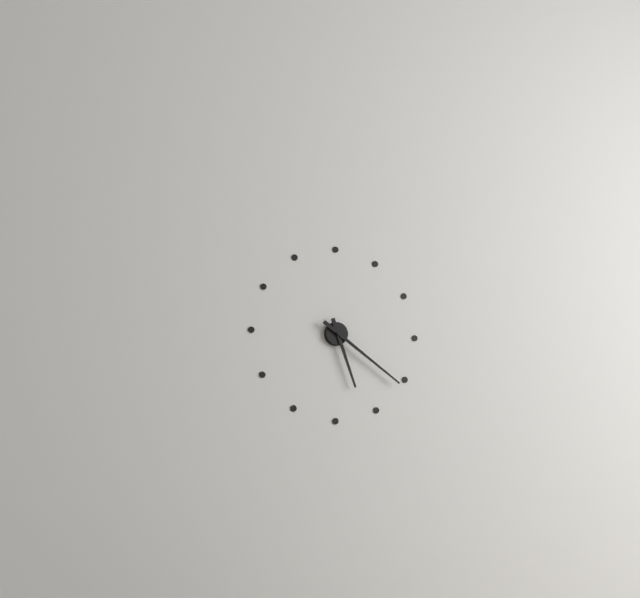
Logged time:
h=5 m=21
